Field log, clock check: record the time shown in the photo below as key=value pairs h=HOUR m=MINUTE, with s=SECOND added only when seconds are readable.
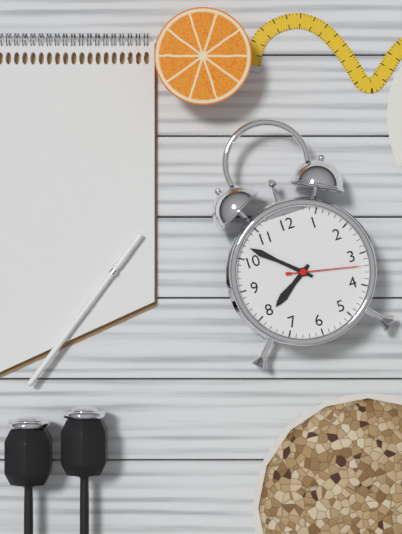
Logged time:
h=7 m=52 s=17
